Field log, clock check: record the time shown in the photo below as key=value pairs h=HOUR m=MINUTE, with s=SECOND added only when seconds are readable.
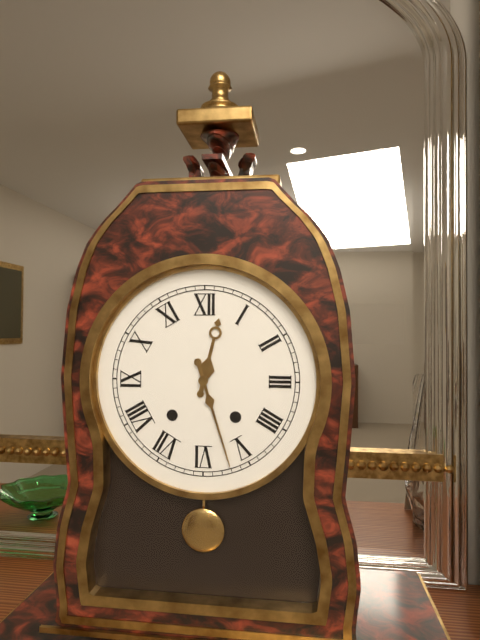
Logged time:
h=12 m=27
